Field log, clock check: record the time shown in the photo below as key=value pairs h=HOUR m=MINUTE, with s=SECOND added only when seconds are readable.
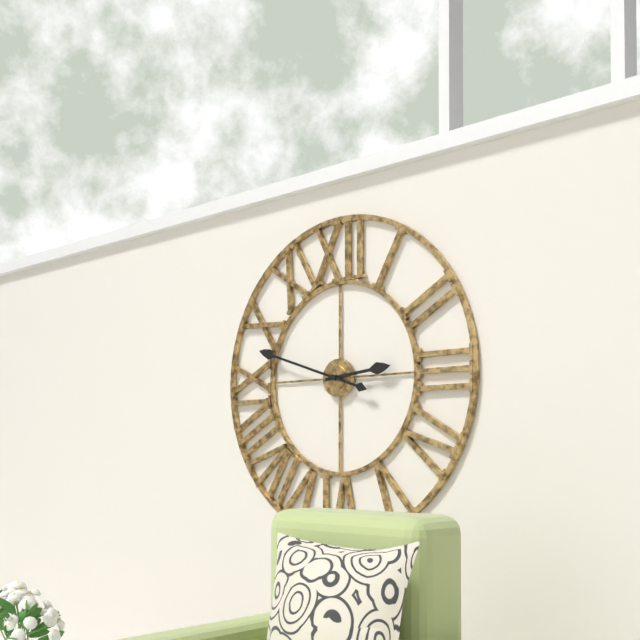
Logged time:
h=2 m=48
